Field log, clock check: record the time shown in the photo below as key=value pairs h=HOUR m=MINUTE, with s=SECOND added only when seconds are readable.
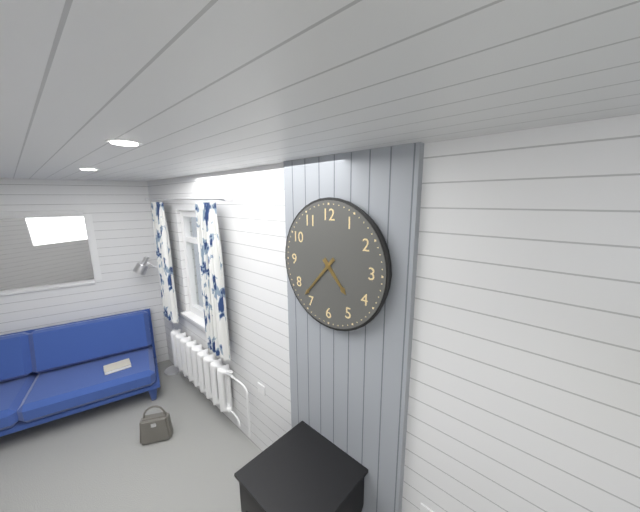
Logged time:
h=4 m=37
